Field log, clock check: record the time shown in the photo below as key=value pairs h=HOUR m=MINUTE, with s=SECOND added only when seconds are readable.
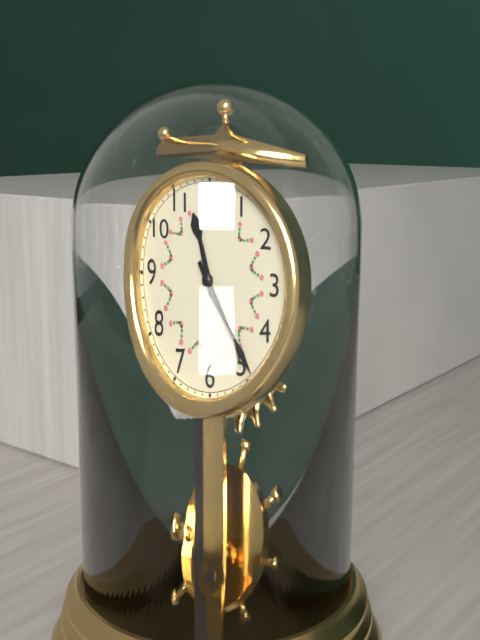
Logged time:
h=11 m=24
